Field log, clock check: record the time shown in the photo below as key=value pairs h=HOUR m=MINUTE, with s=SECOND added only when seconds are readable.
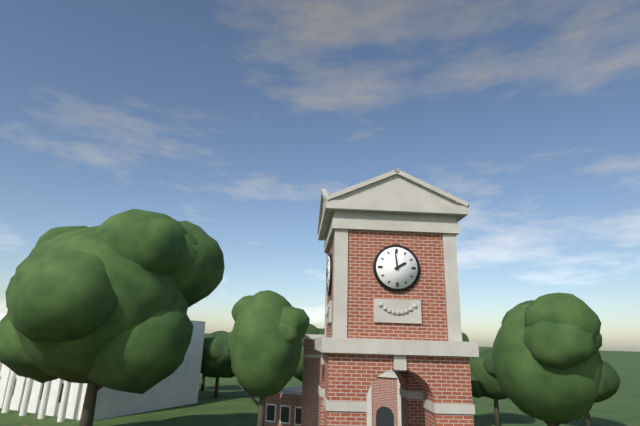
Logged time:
h=1 m=59
